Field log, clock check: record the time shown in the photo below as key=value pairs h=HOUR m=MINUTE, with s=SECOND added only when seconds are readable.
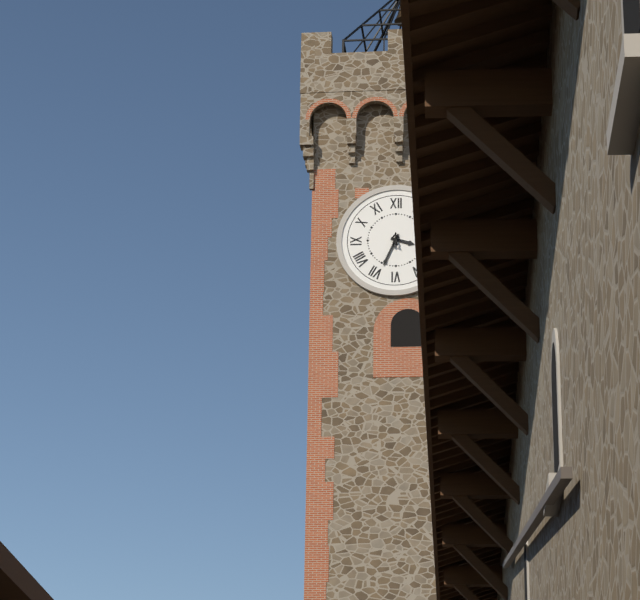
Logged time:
h=3 m=34
